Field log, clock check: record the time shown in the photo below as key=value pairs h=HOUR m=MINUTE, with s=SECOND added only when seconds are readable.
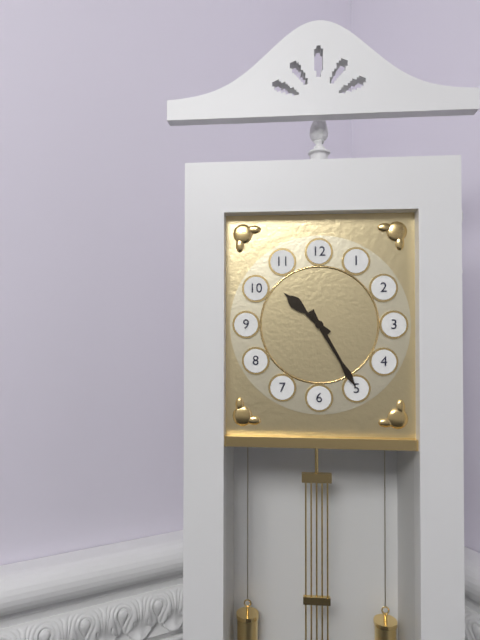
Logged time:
h=10 m=25
